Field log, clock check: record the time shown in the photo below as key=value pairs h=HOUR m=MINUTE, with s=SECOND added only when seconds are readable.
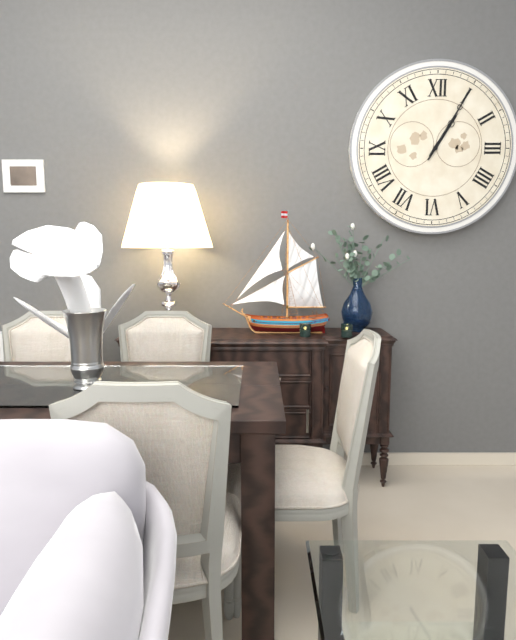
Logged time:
h=1 m=5
